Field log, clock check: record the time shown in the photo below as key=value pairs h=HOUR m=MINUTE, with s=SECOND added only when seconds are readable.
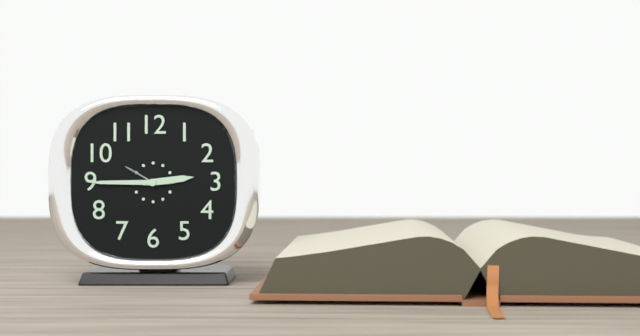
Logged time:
h=2 m=45
